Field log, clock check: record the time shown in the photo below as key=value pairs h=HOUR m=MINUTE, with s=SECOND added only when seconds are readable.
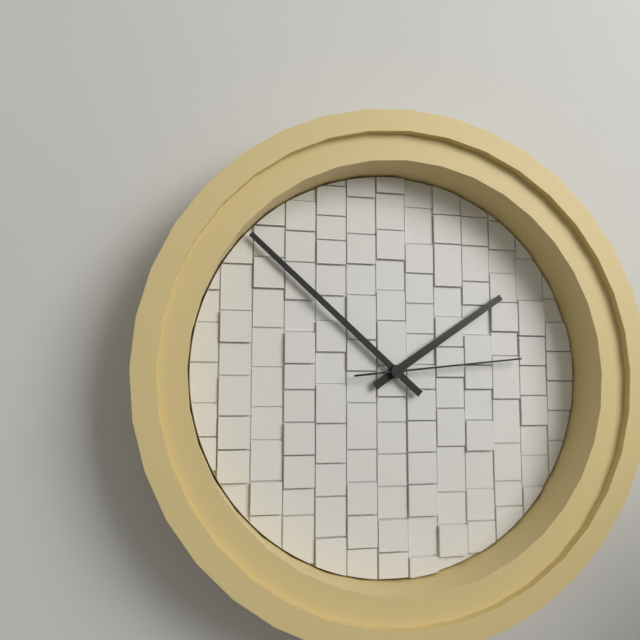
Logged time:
h=1 m=52 s=14
